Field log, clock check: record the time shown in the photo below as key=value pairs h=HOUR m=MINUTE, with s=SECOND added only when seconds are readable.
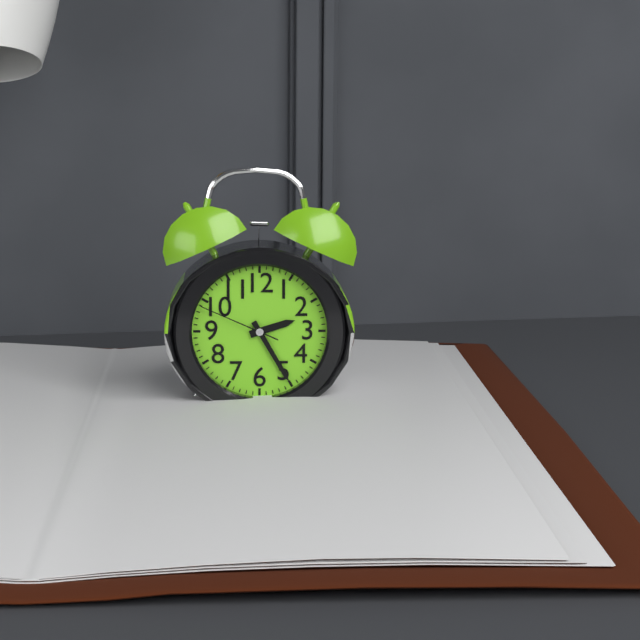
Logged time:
h=2 m=25 s=49
